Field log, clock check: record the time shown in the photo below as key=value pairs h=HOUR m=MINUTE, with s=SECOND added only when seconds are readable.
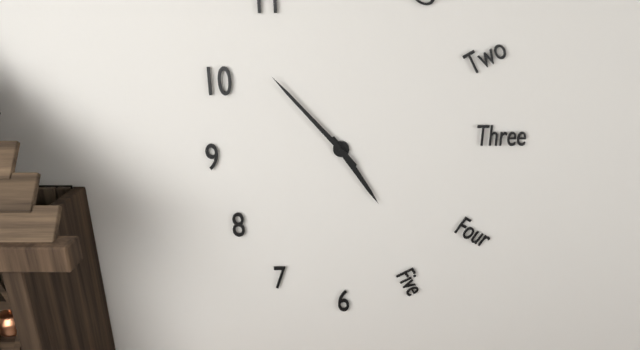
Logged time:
h=4 m=53
